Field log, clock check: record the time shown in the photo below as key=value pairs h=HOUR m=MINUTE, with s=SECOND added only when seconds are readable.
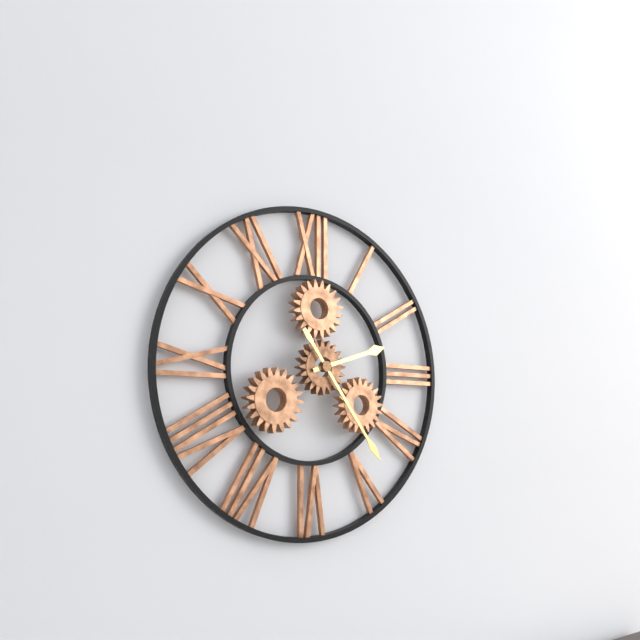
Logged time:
h=2 m=24
